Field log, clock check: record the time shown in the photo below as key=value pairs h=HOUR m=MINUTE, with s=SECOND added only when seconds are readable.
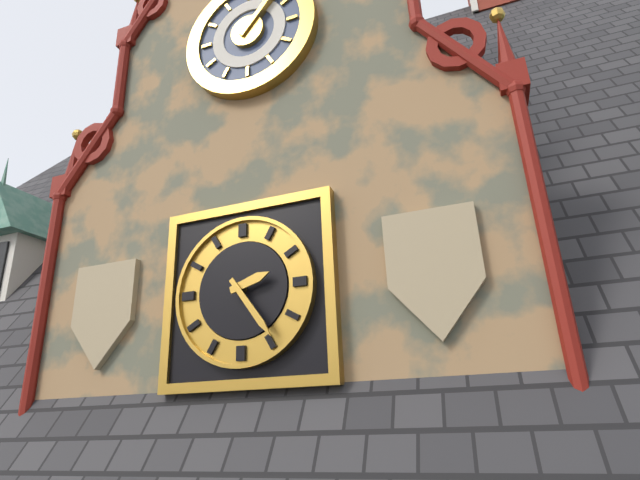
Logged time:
h=2 m=24
